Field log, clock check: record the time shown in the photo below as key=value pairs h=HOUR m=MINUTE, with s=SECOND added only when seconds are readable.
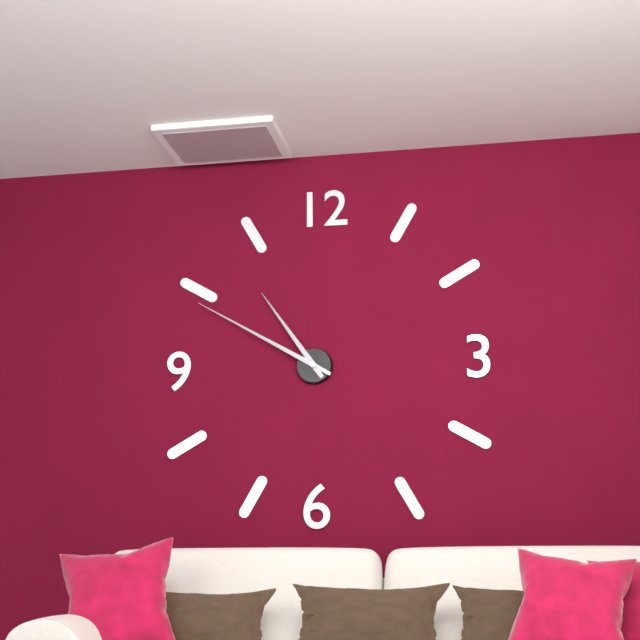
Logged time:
h=10 m=50
